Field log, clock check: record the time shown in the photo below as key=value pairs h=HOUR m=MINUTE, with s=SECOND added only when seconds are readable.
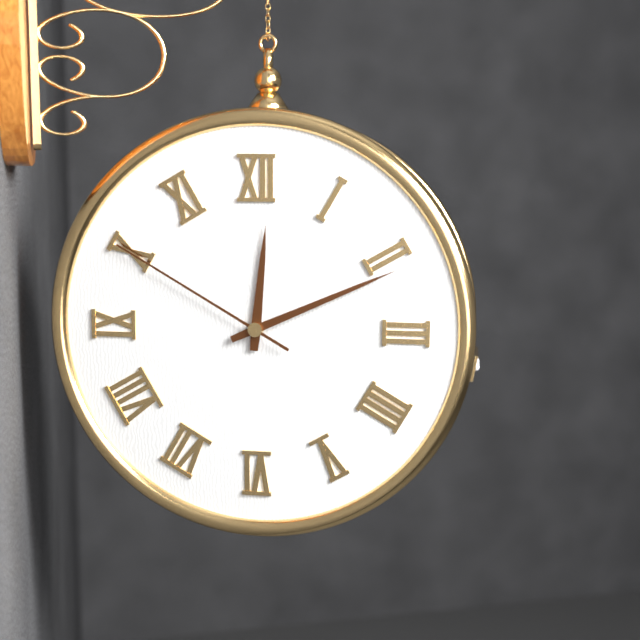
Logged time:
h=12 m=11 s=50
